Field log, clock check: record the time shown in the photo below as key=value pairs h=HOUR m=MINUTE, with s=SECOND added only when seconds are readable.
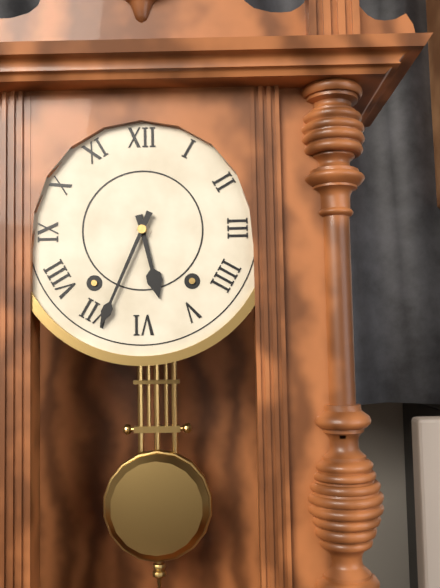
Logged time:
h=5 m=34
